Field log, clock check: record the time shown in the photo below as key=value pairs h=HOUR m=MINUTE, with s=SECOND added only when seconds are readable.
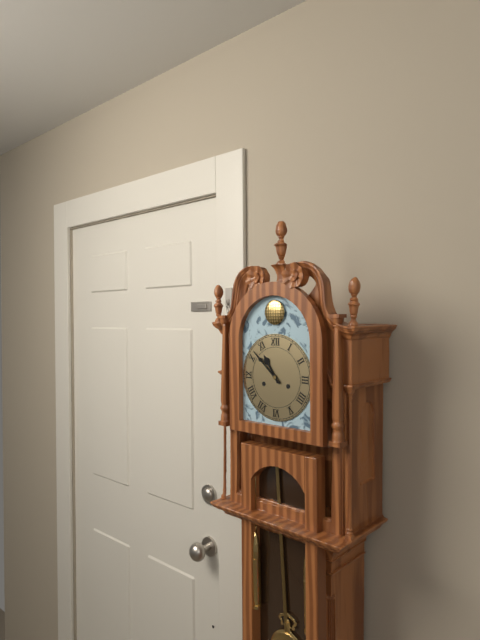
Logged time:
h=10 m=52
